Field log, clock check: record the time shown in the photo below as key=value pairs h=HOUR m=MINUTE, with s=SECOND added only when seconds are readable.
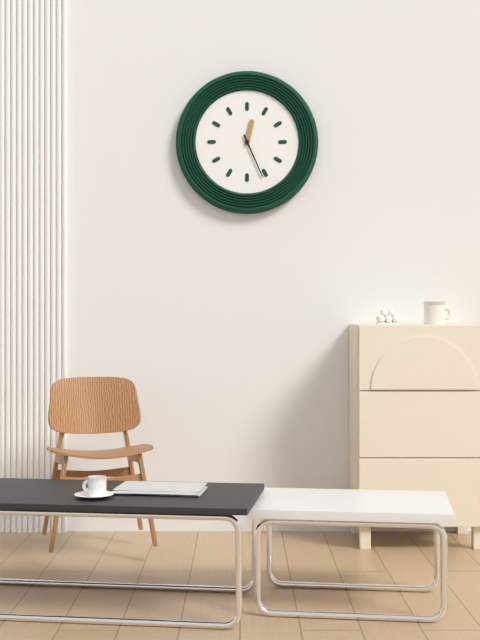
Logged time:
h=12 m=26
